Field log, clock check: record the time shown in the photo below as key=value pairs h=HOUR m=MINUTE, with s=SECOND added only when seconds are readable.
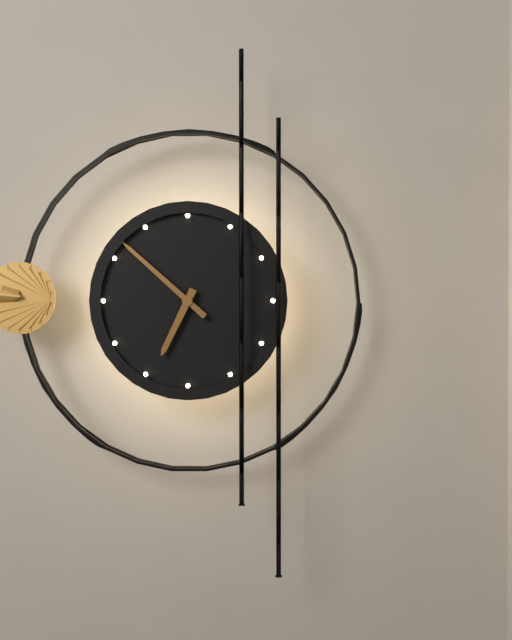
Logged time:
h=6 m=52
